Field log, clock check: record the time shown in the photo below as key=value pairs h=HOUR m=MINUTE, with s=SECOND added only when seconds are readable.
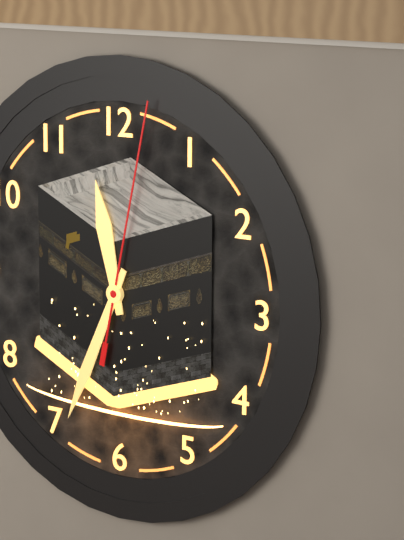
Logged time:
h=11 m=34 s=2
